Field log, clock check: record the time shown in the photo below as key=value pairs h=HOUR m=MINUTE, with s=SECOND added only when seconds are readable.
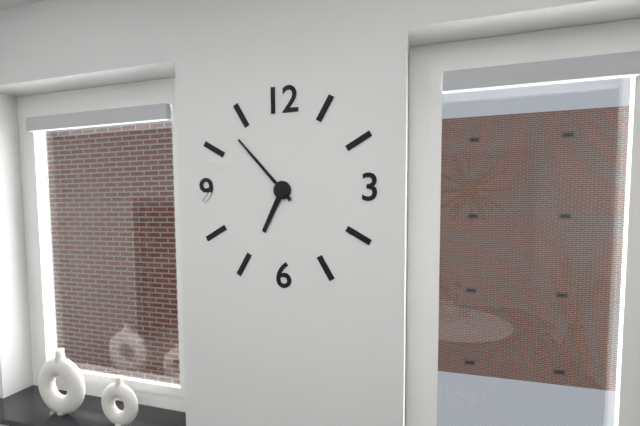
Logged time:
h=6 m=53
